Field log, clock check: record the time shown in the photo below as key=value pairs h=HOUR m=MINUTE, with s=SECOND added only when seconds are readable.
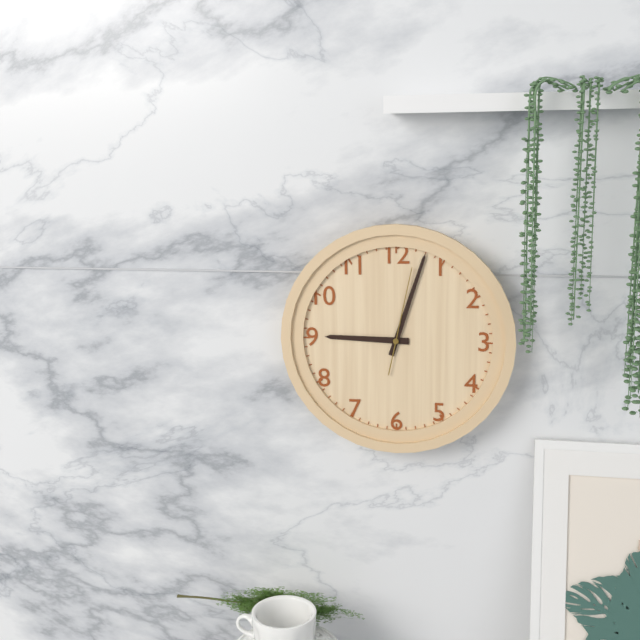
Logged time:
h=9 m=3 s=2
